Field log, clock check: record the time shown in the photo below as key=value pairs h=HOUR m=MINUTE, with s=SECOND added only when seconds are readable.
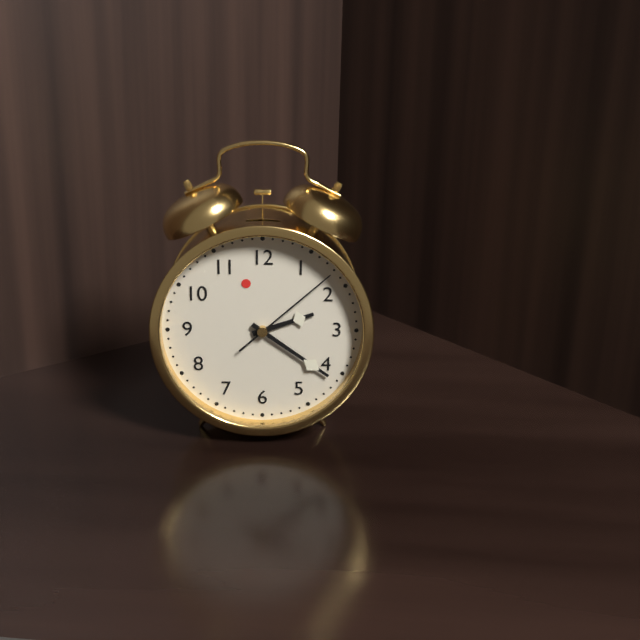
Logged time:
h=2 m=21 s=8
